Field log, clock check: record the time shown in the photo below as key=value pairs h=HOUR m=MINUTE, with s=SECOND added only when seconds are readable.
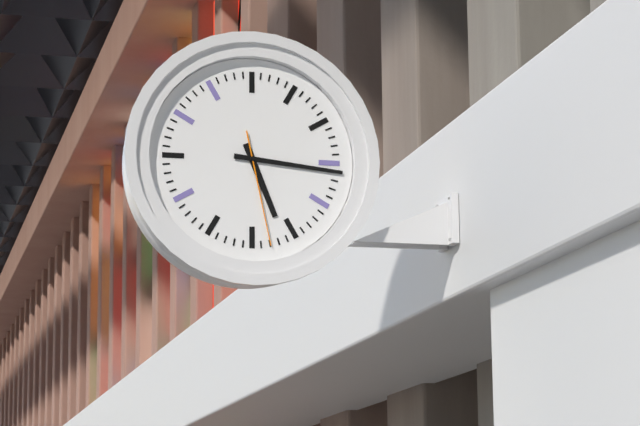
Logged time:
h=5 m=16 s=28
